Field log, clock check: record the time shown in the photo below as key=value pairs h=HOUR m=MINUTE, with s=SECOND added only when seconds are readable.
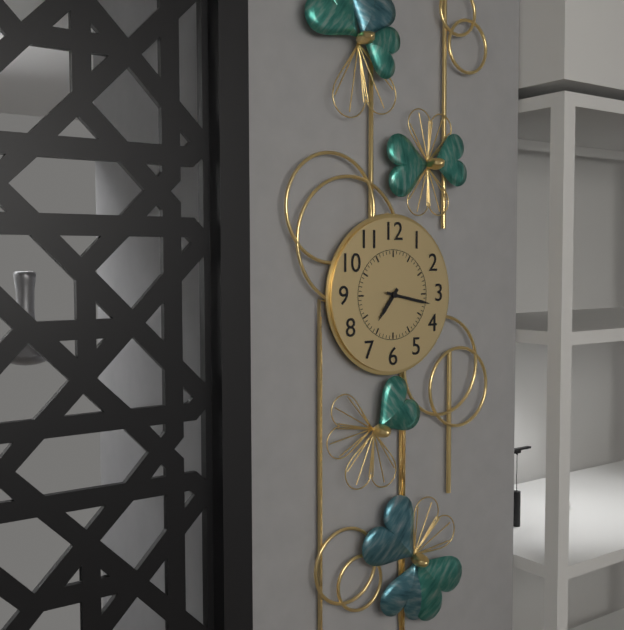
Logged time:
h=7 m=17
